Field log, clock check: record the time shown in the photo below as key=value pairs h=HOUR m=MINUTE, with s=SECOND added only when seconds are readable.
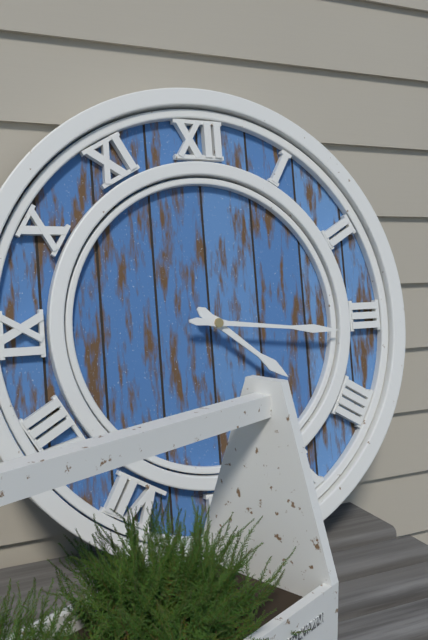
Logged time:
h=4 m=16
